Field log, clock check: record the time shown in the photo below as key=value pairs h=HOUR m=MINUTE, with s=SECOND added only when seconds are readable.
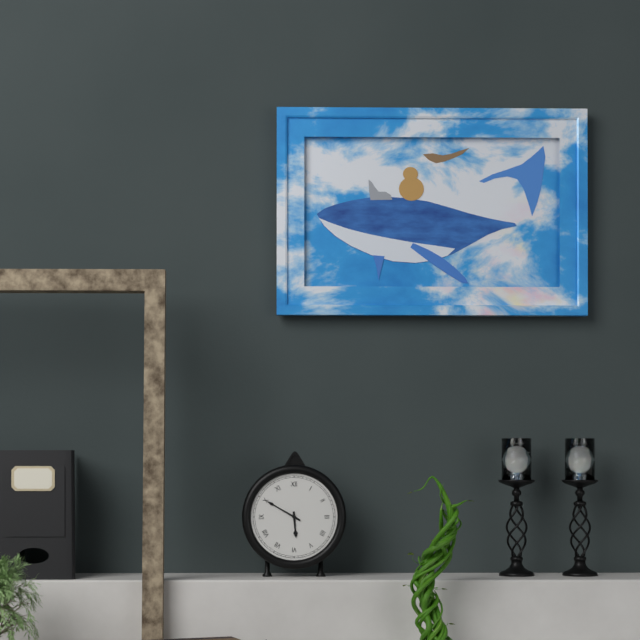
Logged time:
h=5 m=50
